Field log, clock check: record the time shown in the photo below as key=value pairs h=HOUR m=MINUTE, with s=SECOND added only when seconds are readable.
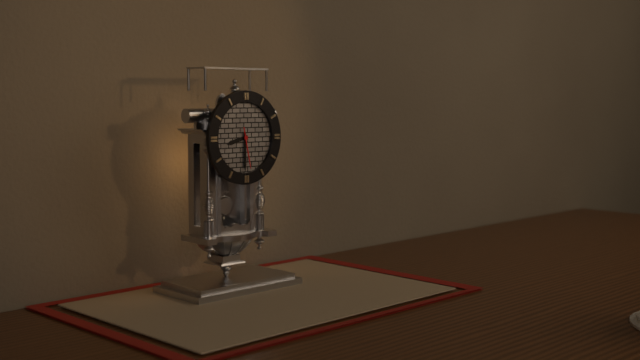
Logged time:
h=8 m=30
